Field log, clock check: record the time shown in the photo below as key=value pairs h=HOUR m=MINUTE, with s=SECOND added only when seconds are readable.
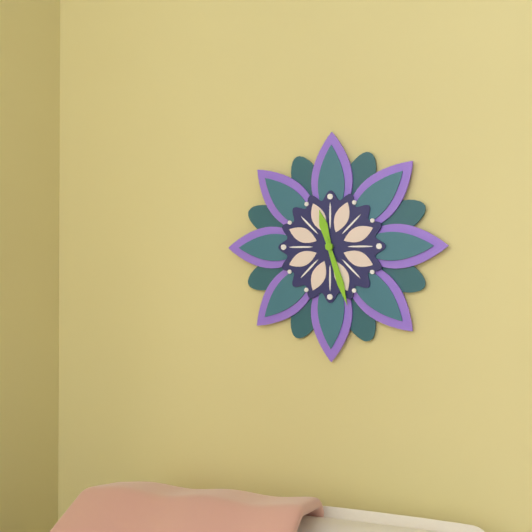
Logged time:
h=11 m=27
